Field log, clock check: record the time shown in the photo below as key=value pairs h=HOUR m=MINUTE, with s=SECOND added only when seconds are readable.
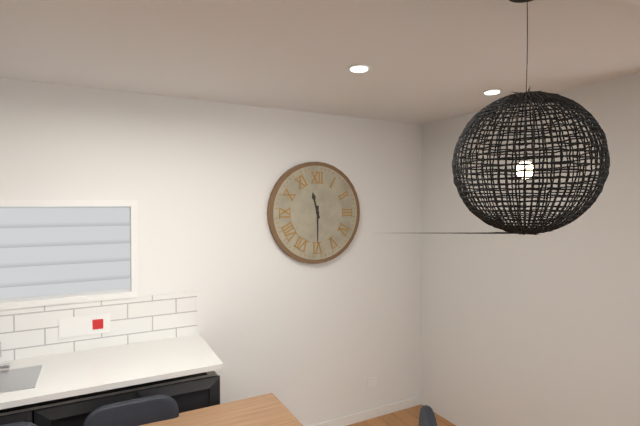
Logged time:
h=11 m=30
